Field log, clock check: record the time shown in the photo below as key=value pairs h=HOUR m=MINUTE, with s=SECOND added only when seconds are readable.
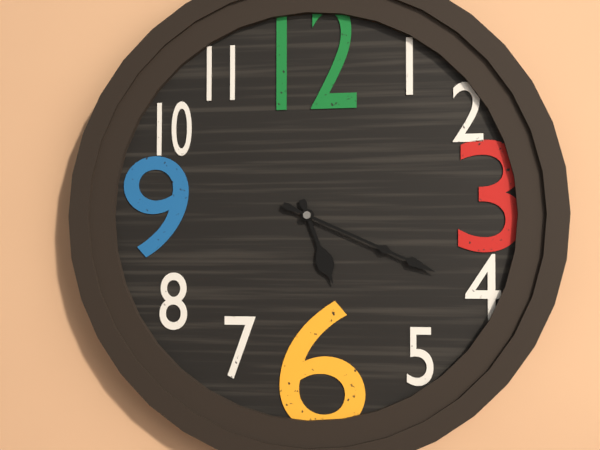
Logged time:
h=5 m=19
